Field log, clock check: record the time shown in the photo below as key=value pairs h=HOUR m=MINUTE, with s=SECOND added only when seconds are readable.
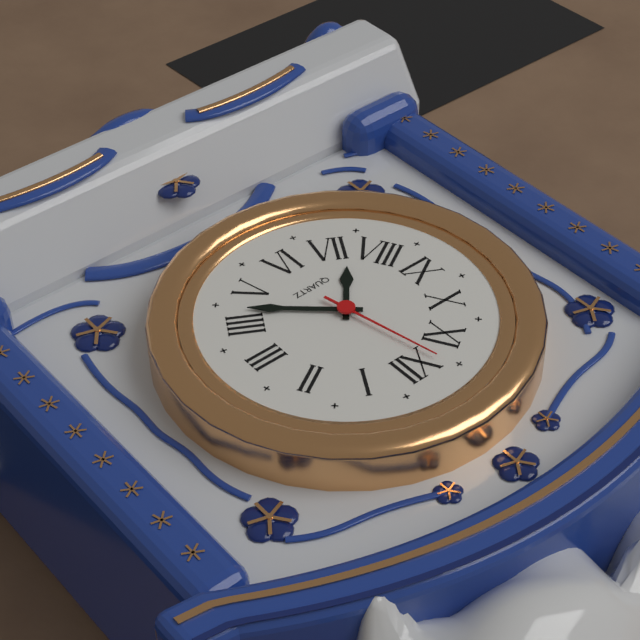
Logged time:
h=7 m=22 s=58
